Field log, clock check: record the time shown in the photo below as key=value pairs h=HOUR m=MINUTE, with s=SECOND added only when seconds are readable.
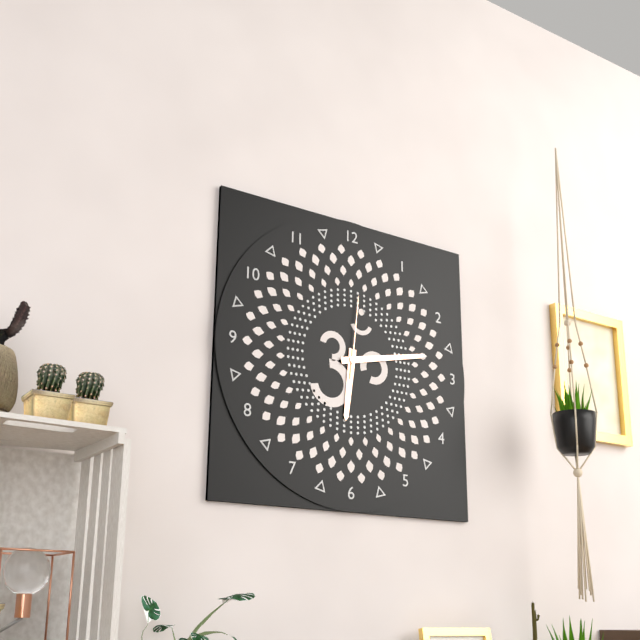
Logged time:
h=6 m=13 s=1
